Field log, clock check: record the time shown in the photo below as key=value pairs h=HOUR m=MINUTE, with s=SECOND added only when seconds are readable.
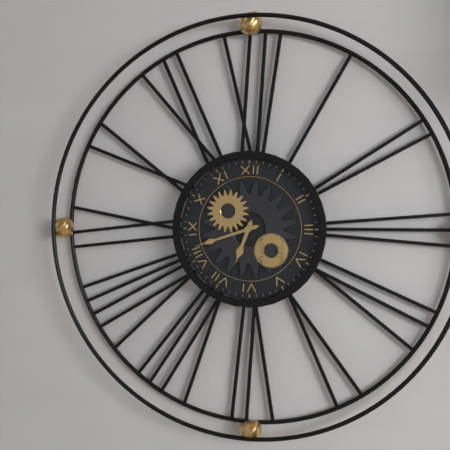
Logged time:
h=6 m=42
